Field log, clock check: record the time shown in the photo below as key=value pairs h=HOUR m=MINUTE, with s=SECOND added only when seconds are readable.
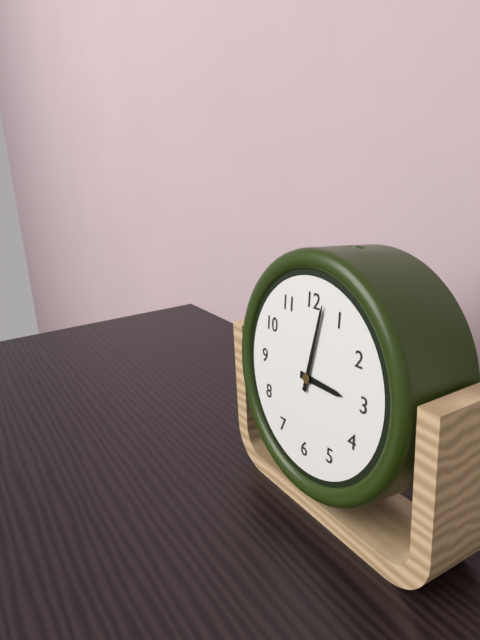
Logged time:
h=3 m=2
